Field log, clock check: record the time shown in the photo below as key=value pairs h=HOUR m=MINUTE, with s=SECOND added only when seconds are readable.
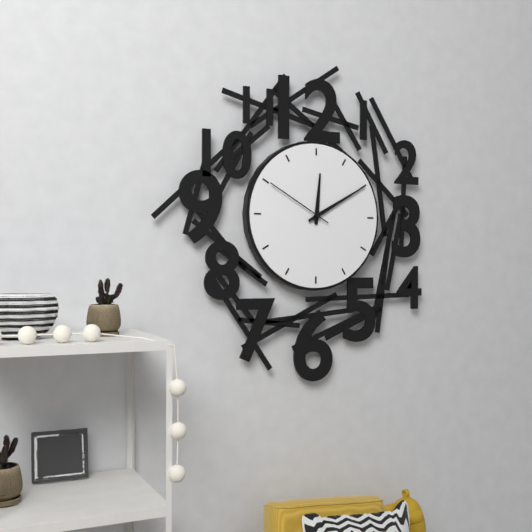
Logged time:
h=12 m=10 s=50
